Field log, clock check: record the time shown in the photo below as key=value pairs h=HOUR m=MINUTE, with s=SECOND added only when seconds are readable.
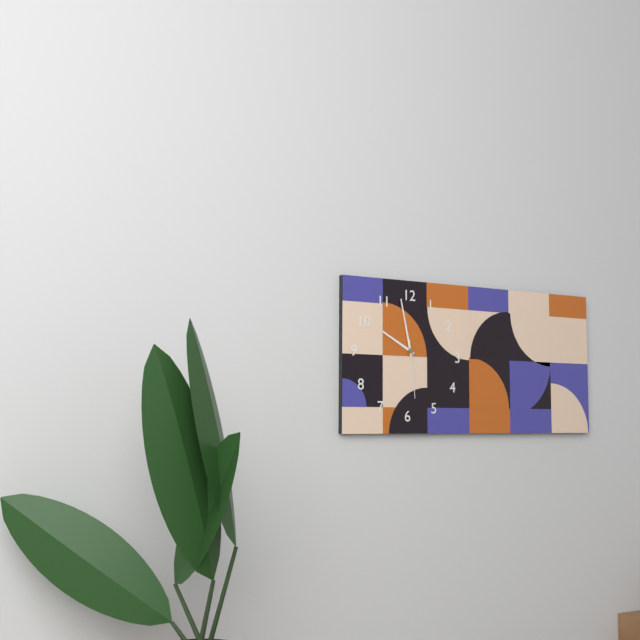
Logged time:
h=9 m=58 s=29
